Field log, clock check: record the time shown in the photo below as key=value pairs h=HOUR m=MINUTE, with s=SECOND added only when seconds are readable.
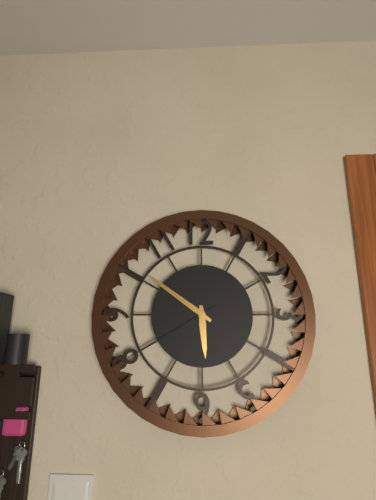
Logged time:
h=5 m=51 s=40
